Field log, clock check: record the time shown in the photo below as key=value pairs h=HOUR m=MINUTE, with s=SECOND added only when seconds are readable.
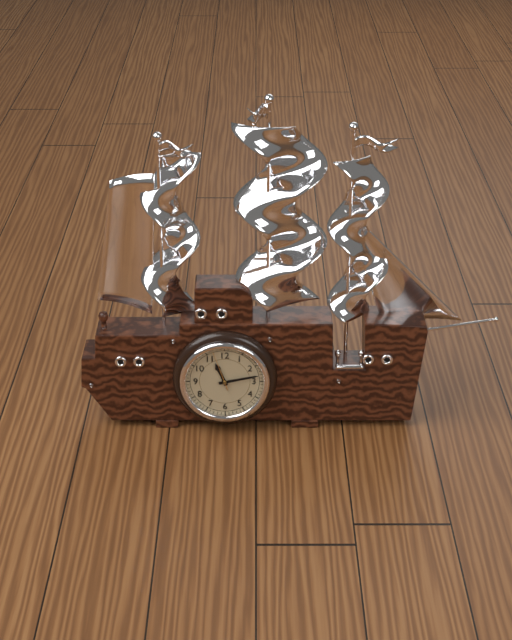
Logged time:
h=11 m=13
